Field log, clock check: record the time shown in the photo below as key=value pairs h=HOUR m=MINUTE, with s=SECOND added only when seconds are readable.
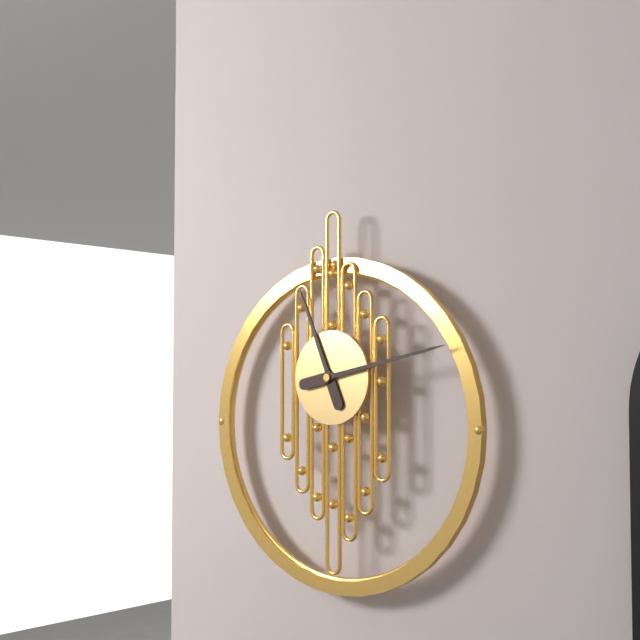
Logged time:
h=11 m=13
